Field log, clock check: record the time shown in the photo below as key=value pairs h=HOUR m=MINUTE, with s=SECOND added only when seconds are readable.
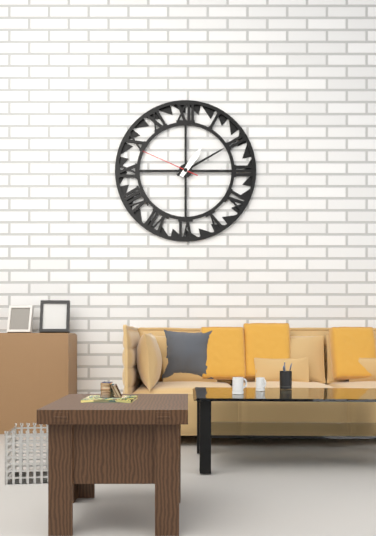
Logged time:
h=1 m=10 s=49
